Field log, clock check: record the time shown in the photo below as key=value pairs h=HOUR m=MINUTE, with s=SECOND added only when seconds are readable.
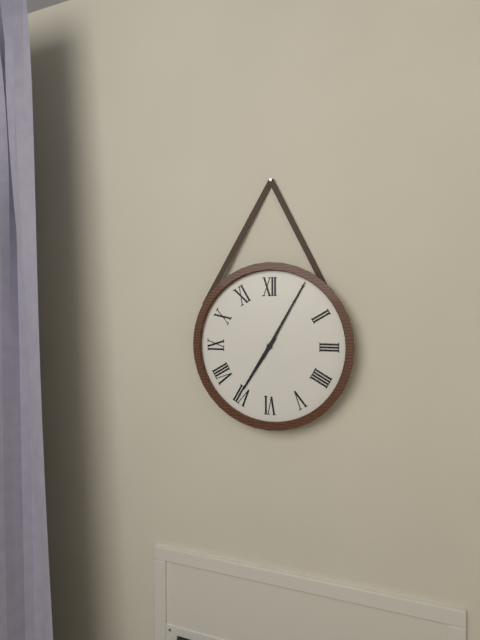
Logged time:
h=7 m=5
